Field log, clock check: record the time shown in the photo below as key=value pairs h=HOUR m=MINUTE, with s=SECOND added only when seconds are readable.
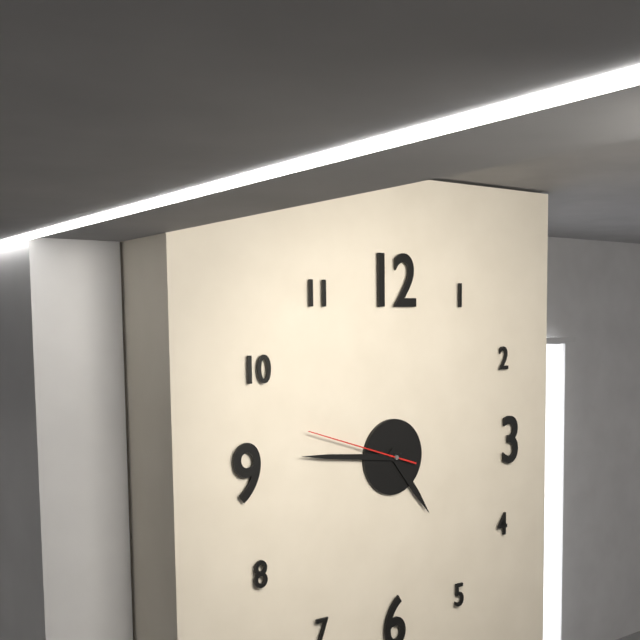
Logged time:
h=4 m=46 s=48
